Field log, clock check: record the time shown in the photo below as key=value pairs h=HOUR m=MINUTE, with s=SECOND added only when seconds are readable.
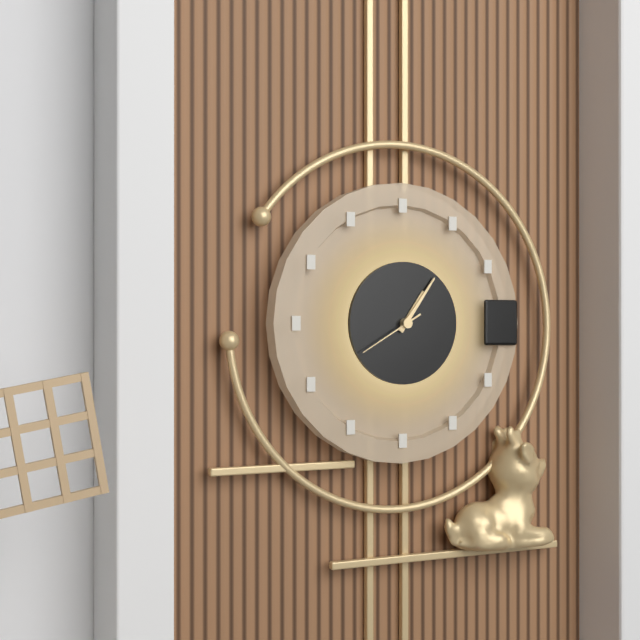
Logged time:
h=1 m=6 s=40
